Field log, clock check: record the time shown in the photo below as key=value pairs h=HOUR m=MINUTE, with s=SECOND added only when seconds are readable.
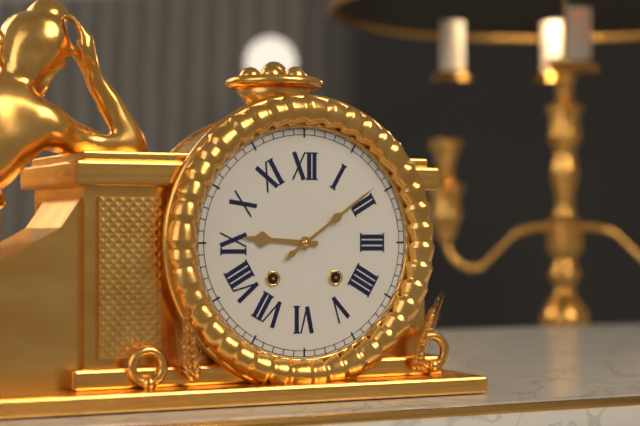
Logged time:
h=9 m=9
